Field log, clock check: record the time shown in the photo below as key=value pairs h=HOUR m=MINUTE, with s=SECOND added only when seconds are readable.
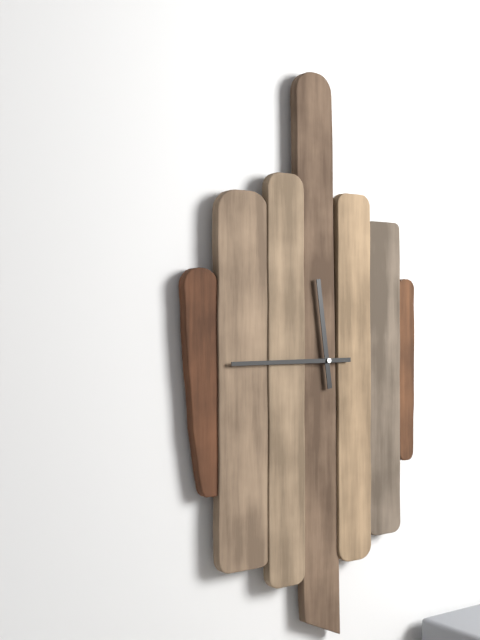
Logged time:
h=11 m=45
